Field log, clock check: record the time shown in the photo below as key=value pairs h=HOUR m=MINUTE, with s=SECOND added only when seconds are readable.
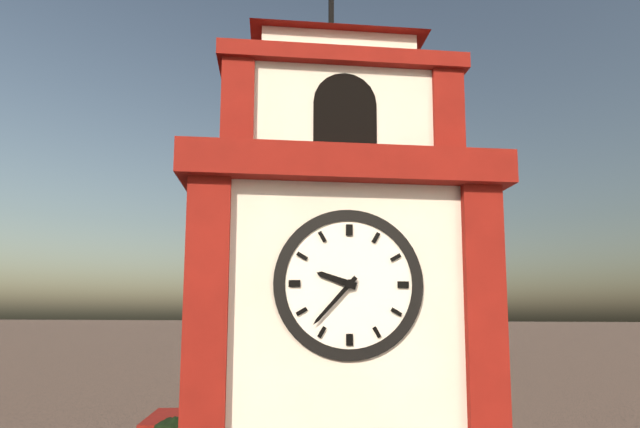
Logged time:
h=9 m=37
